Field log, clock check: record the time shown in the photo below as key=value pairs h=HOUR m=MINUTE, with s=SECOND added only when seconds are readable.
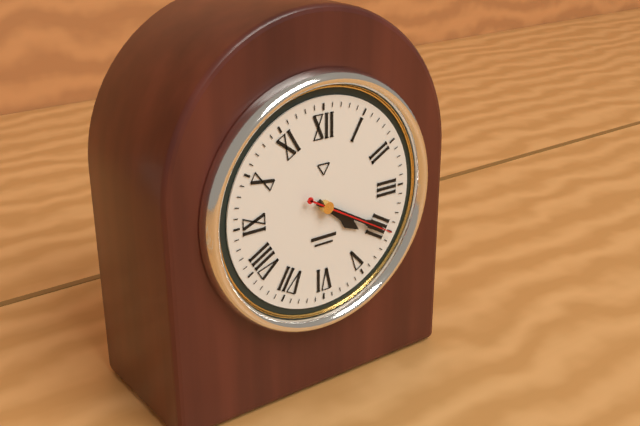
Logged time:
h=4 m=20 s=20
